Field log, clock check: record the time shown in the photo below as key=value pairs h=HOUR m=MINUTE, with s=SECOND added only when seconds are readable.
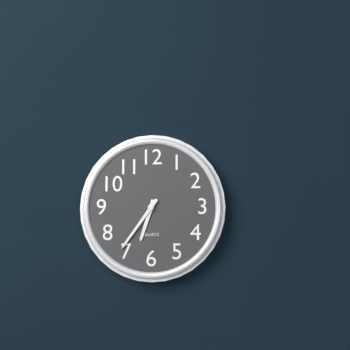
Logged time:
h=6 m=36
